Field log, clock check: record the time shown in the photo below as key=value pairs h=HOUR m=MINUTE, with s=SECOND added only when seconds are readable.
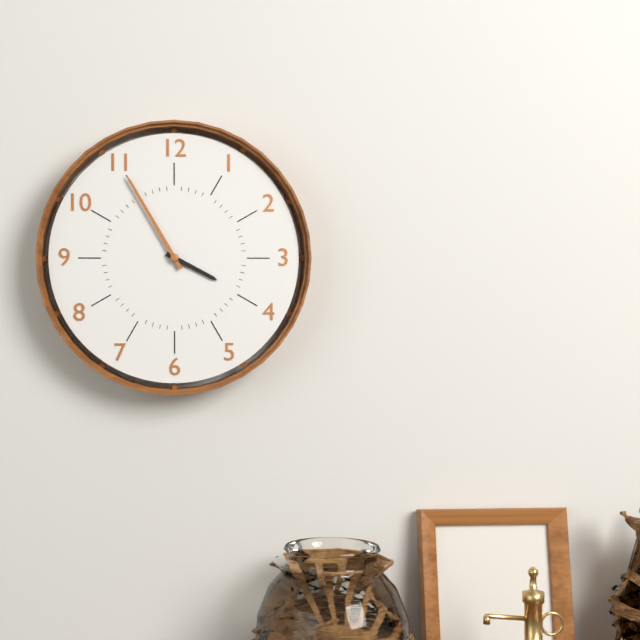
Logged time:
h=3 m=55
